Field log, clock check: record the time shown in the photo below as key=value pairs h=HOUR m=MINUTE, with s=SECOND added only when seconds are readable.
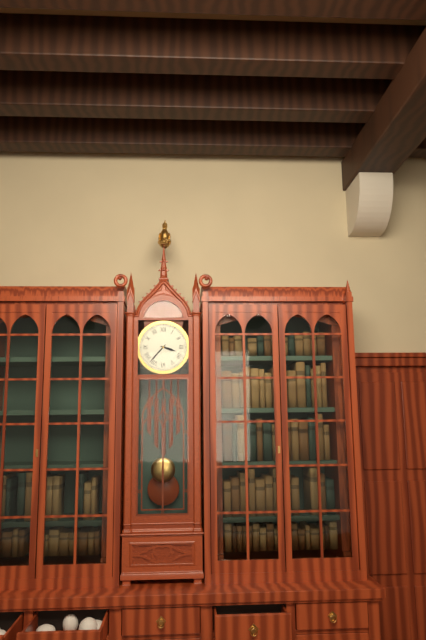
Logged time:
h=3 m=37
